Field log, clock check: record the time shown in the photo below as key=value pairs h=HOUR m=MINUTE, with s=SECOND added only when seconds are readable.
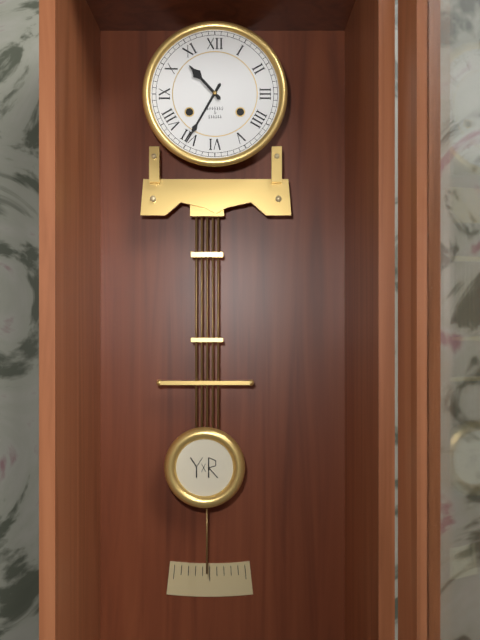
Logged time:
h=10 m=35
